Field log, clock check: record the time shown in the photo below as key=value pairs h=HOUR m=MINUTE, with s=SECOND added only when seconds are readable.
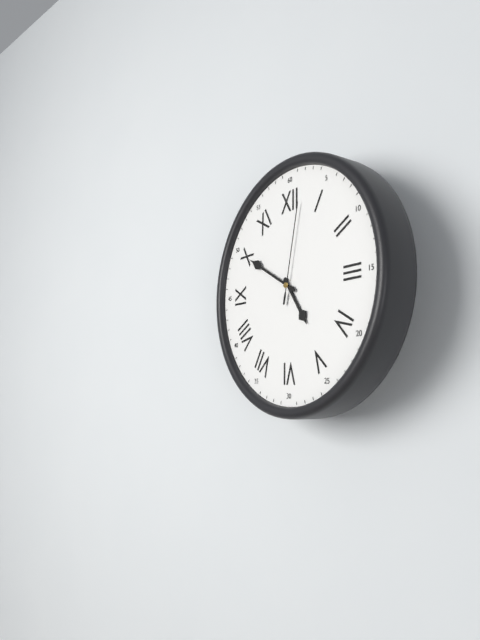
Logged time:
h=4 m=50 s=2
